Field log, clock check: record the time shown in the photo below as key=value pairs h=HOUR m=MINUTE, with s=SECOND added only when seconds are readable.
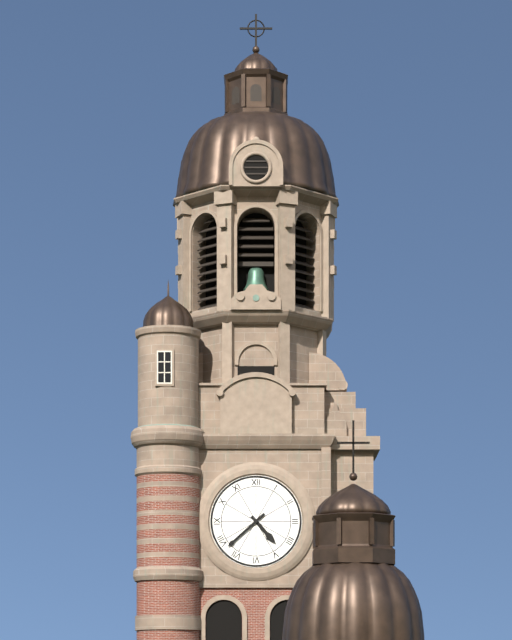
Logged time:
h=4 m=38
